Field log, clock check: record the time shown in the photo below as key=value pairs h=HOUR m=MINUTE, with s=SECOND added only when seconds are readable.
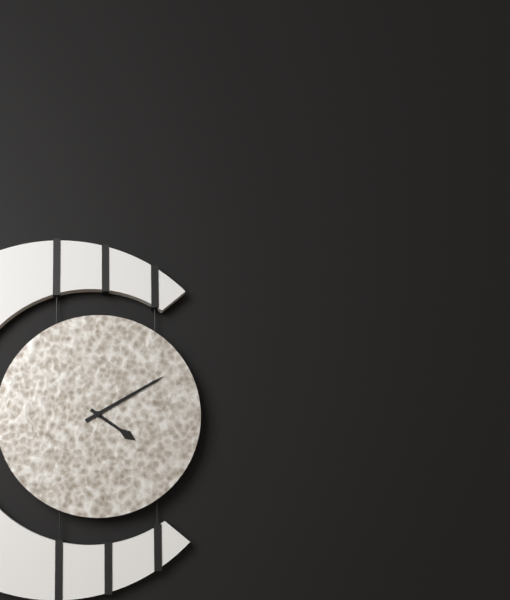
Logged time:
h=4 m=10
